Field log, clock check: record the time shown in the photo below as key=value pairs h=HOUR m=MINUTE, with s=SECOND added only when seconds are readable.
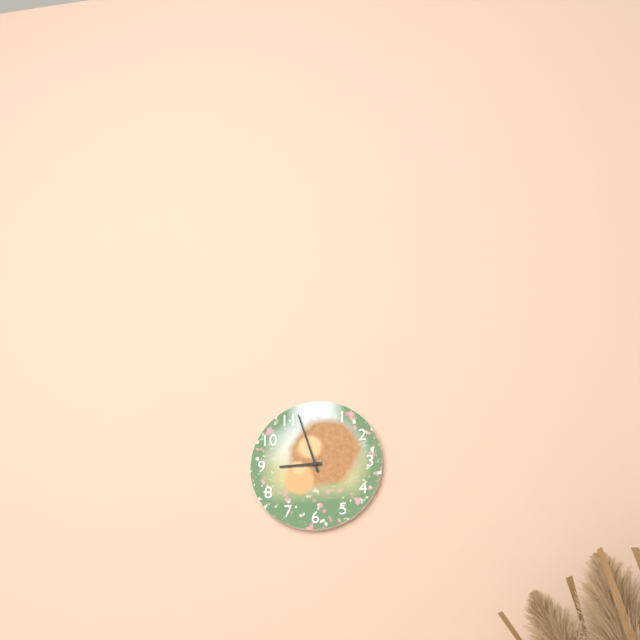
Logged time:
h=8 m=57
